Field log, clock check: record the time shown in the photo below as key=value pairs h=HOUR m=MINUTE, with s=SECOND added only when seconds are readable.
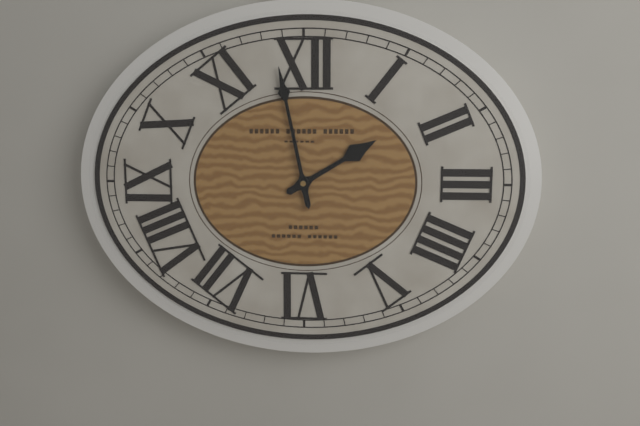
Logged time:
h=1 m=58
